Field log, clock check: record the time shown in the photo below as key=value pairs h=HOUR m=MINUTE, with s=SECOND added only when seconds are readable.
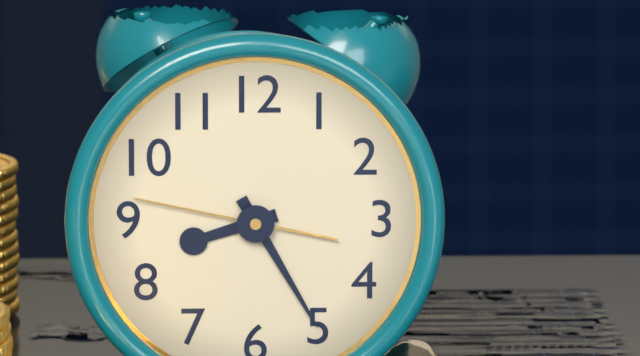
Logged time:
h=8 m=25 s=47
